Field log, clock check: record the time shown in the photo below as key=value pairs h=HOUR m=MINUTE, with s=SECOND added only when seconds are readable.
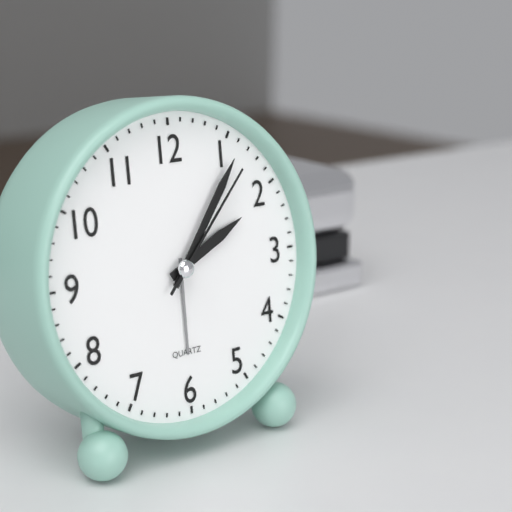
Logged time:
h=2 m=6 s=7
